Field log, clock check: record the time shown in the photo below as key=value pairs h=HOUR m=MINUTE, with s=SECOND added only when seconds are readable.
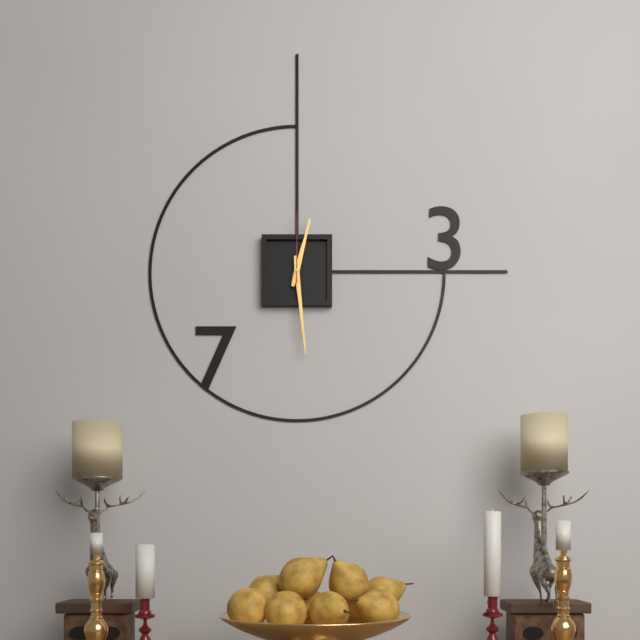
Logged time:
h=12 m=29 s=0
